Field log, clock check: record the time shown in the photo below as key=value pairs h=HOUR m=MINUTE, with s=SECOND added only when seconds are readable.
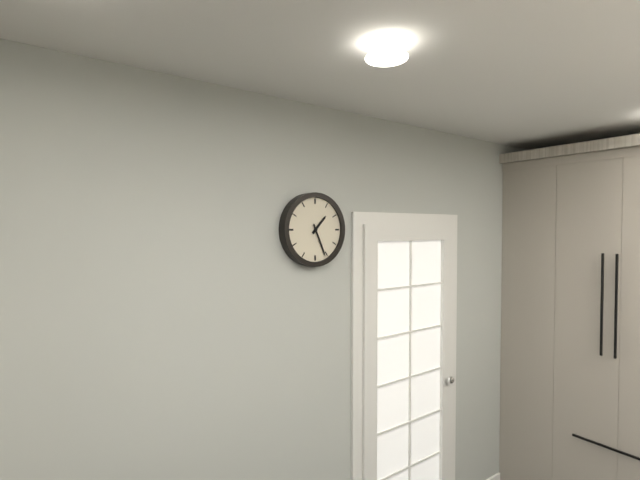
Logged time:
h=1 m=26
